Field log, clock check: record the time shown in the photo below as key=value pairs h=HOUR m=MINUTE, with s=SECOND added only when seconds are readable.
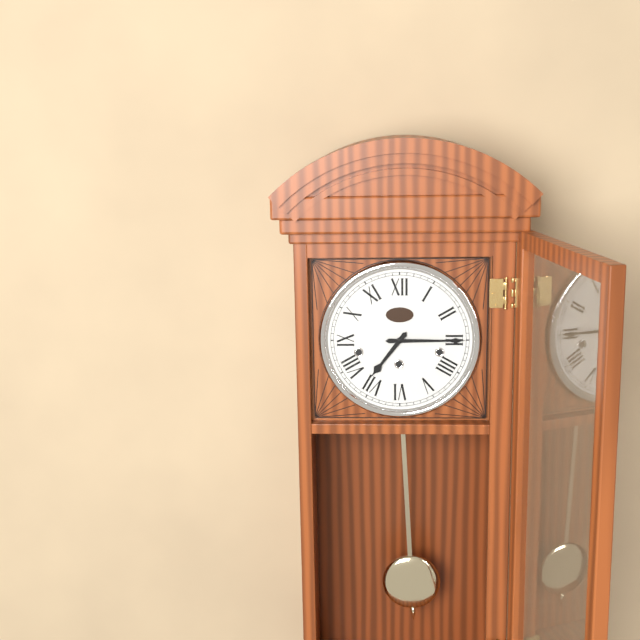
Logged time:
h=7 m=15
